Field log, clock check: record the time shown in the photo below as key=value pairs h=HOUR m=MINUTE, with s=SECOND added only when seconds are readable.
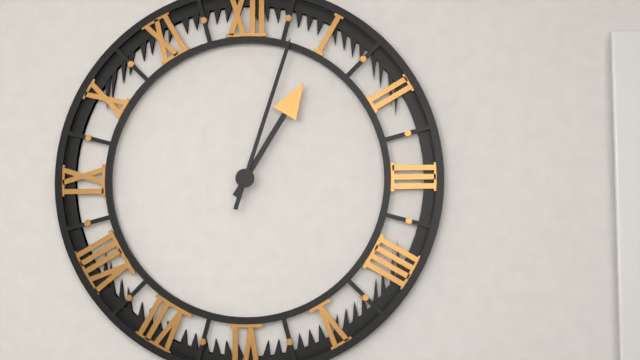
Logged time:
h=1 m=3
